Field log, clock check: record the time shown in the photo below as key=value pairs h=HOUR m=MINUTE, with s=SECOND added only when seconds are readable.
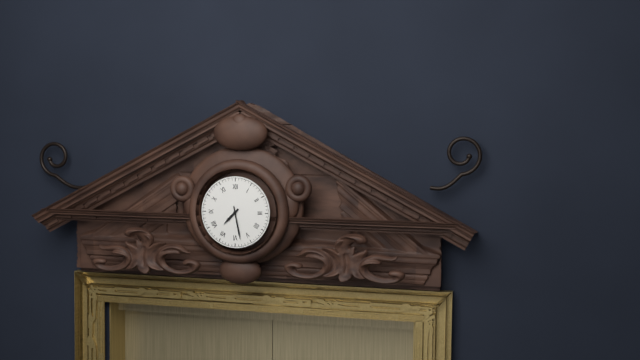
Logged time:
h=7 m=28
